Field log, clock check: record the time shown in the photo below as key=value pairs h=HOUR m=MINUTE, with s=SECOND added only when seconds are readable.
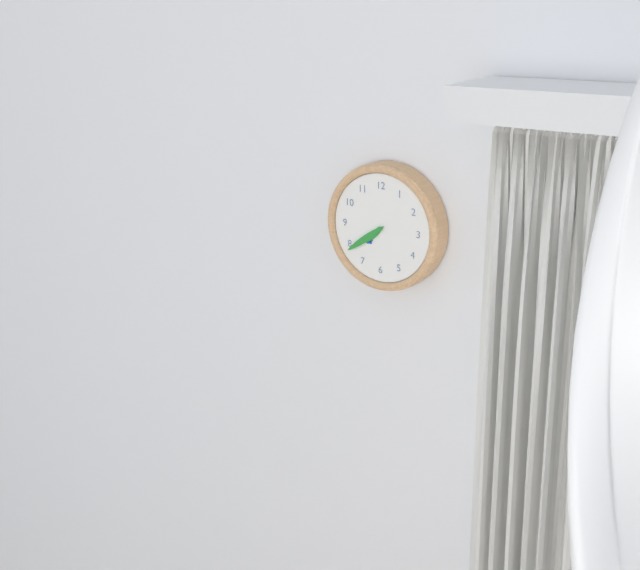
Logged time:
h=7 m=39
